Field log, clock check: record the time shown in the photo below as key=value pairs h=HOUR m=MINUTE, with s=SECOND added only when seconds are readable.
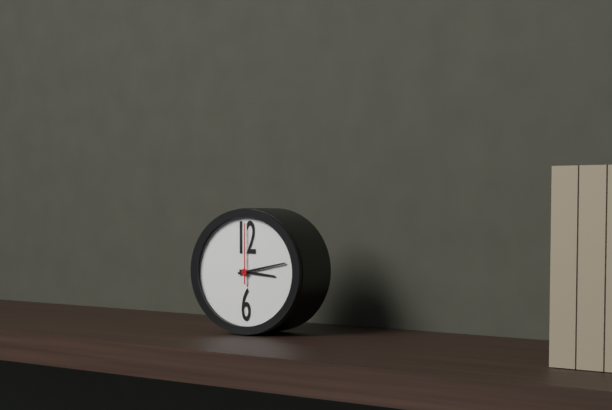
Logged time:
h=3 m=13 s=0
